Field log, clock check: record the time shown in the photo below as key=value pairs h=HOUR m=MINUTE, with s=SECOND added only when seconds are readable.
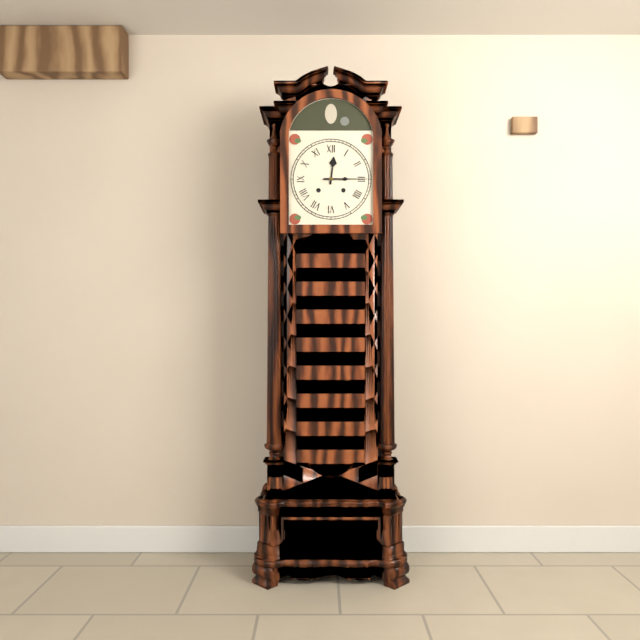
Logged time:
h=12 m=15
